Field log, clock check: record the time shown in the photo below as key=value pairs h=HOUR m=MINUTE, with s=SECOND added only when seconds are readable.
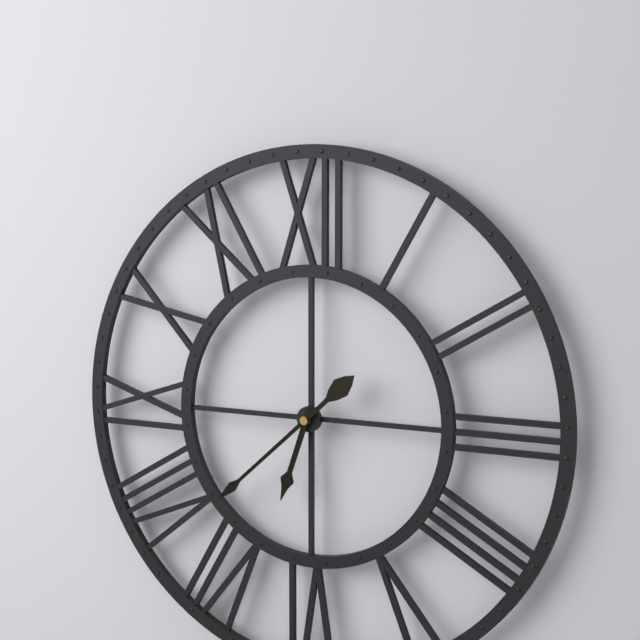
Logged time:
h=6 m=38
